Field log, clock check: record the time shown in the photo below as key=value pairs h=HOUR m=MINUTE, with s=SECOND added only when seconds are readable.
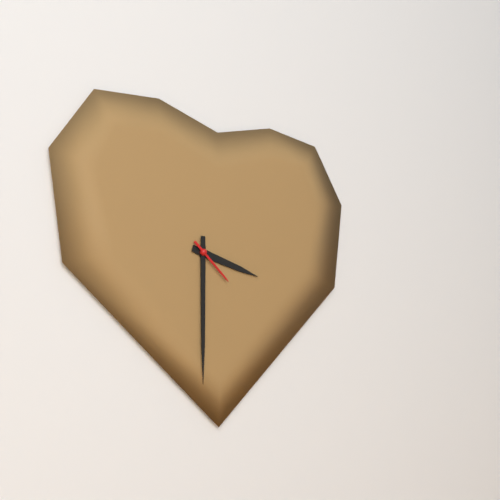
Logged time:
h=3 m=30
